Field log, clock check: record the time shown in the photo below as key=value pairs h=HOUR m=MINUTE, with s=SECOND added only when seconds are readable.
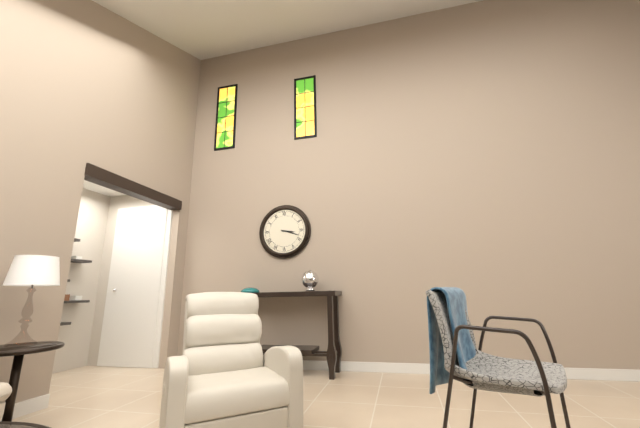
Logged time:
h=3 m=18
